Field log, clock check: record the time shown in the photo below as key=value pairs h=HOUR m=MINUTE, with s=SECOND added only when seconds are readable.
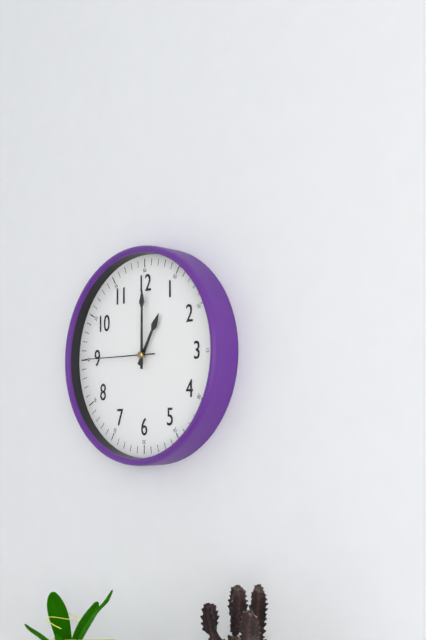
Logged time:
h=1 m=0 s=45
